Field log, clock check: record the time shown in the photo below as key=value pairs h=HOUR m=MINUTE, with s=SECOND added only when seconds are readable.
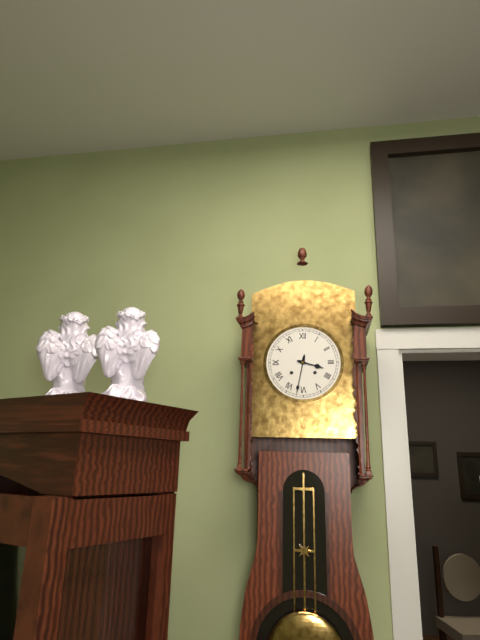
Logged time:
h=3 m=32
